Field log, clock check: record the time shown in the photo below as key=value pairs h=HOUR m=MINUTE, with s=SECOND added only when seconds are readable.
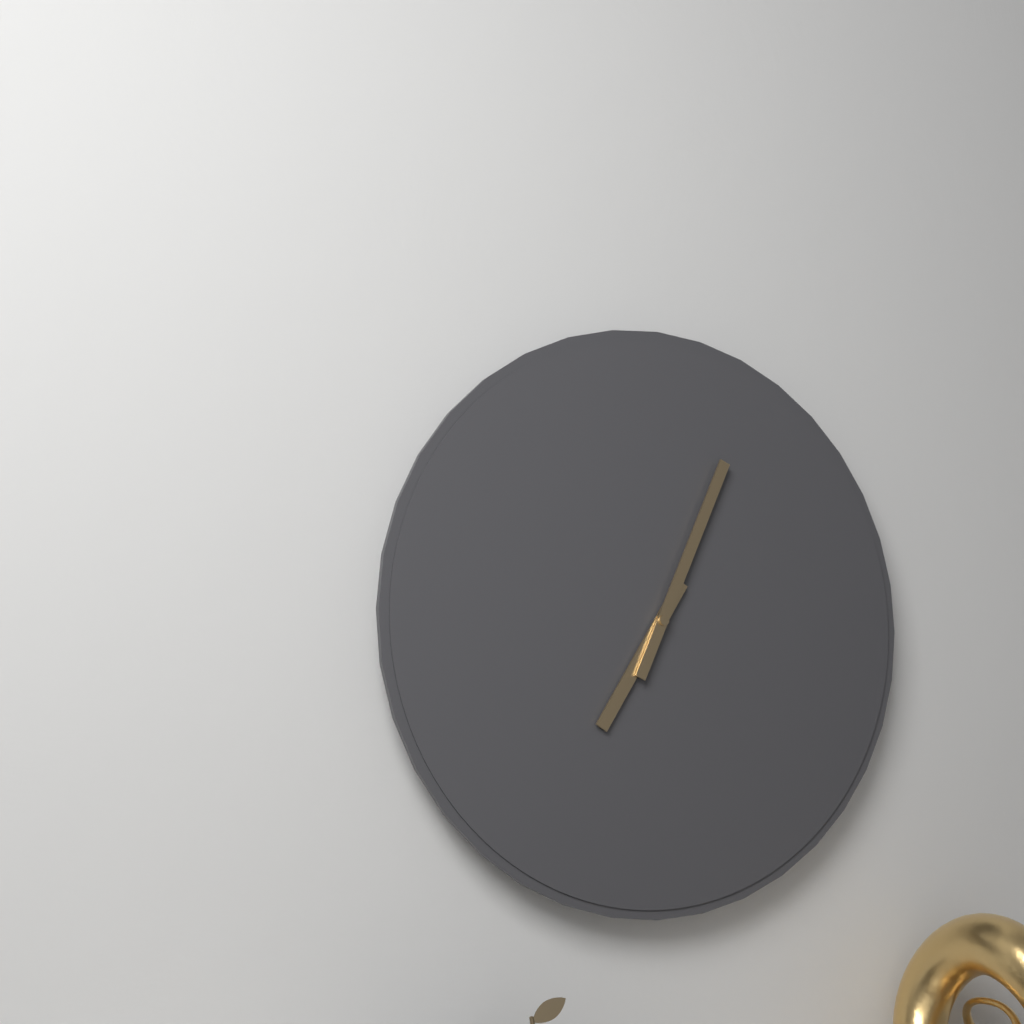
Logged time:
h=7 m=4
